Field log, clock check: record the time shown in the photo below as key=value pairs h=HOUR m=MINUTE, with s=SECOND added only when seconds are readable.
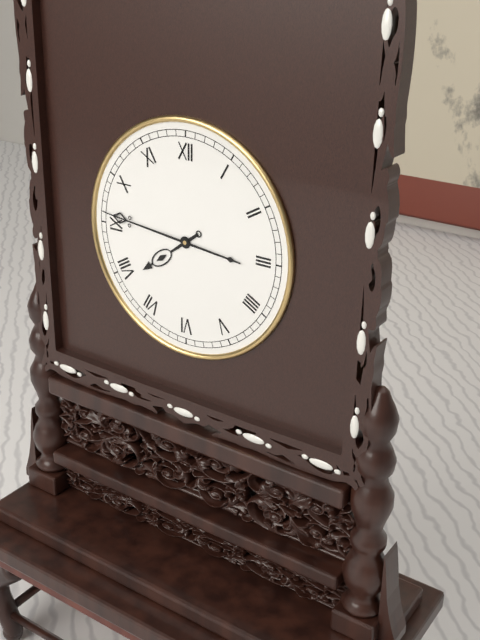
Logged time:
h=7 m=46
